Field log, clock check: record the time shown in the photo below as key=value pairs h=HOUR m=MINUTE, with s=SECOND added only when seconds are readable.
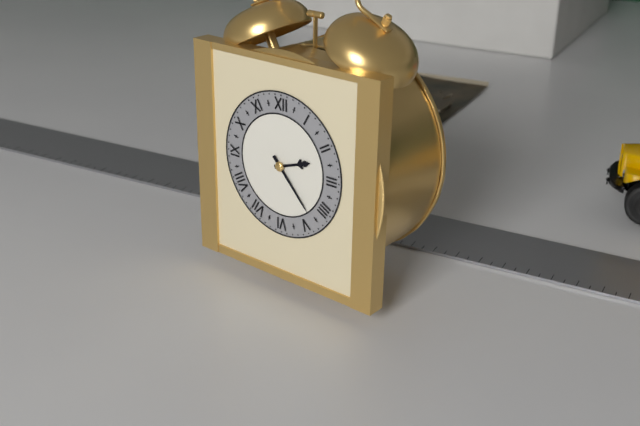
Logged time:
h=2 m=23
